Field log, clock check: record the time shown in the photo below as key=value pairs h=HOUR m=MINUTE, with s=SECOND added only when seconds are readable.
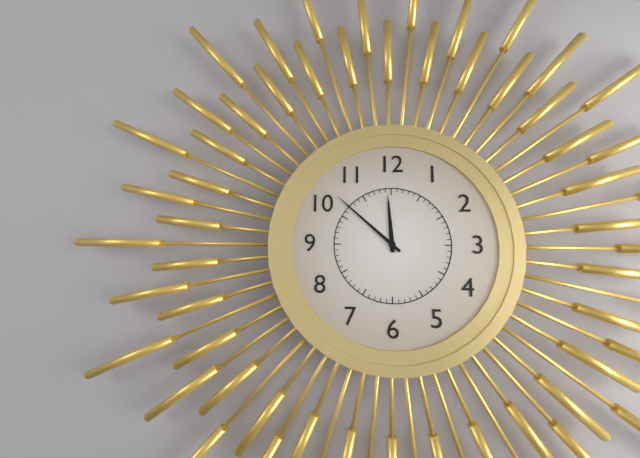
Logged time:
h=11 m=52
